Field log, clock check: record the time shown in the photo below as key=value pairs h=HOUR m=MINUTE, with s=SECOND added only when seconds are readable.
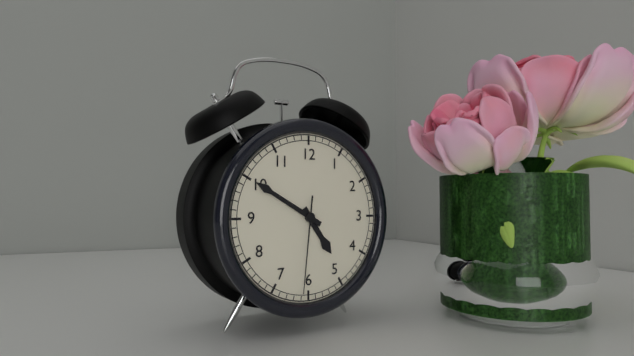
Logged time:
h=4 m=50 s=31
